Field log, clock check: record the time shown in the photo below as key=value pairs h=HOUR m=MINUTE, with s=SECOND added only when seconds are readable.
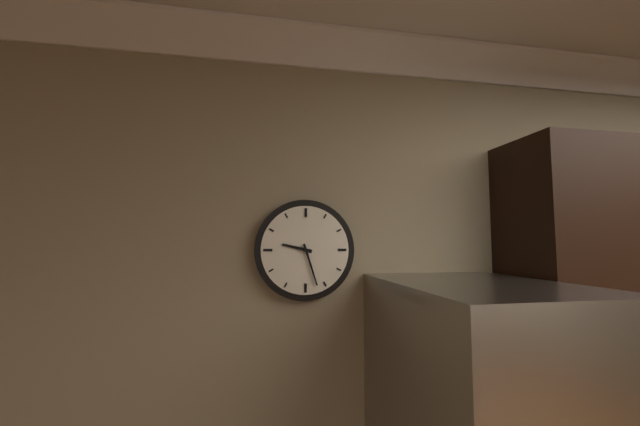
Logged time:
h=9 m=27
